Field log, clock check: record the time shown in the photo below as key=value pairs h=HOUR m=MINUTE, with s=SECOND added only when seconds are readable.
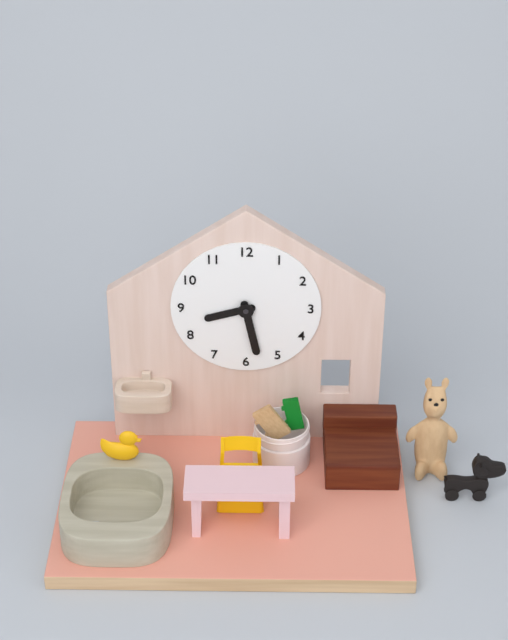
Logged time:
h=8 m=28
